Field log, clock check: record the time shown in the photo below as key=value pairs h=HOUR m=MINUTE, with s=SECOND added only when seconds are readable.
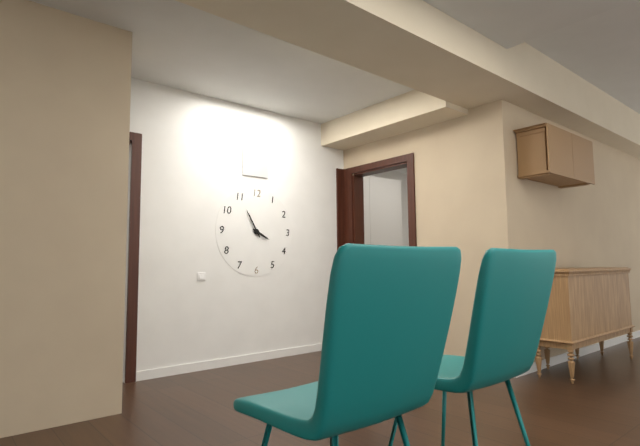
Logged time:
h=3 m=55
